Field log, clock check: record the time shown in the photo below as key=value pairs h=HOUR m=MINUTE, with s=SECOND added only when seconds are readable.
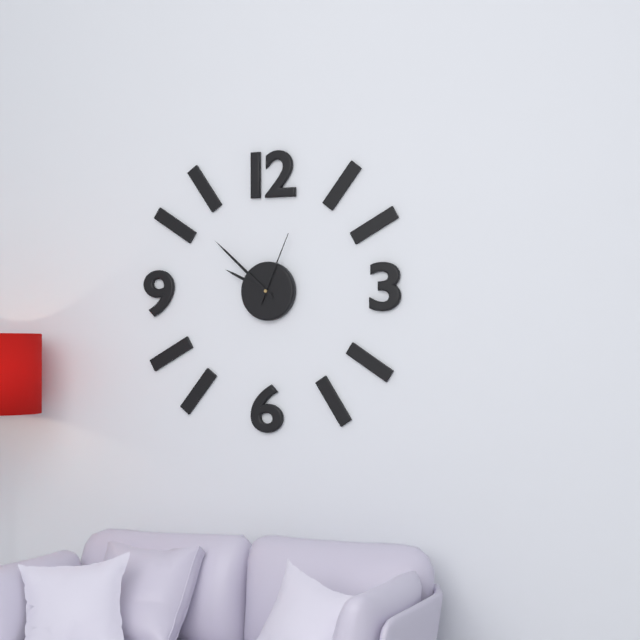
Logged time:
h=9 m=52 s=4
